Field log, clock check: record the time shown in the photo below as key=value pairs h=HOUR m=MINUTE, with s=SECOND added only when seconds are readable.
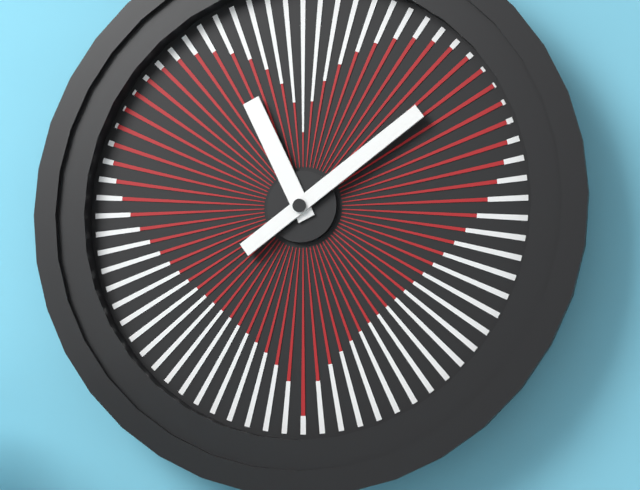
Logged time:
h=11 m=9
